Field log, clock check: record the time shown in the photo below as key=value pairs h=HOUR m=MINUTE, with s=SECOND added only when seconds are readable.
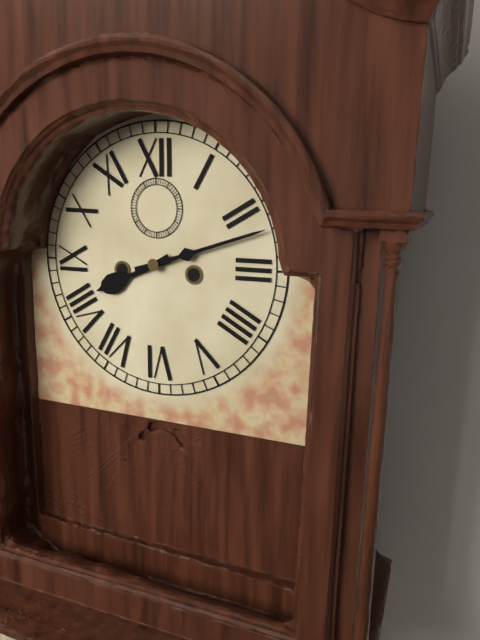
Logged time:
h=8 m=12
